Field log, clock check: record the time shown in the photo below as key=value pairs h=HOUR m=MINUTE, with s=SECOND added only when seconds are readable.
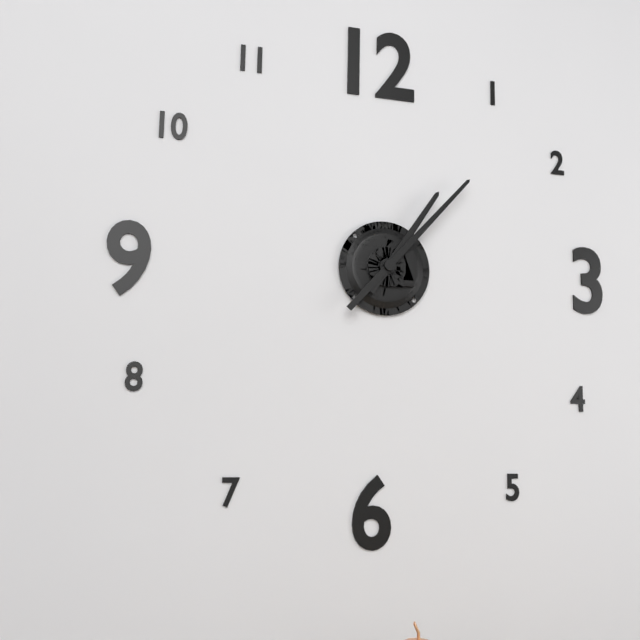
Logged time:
h=1 m=7
